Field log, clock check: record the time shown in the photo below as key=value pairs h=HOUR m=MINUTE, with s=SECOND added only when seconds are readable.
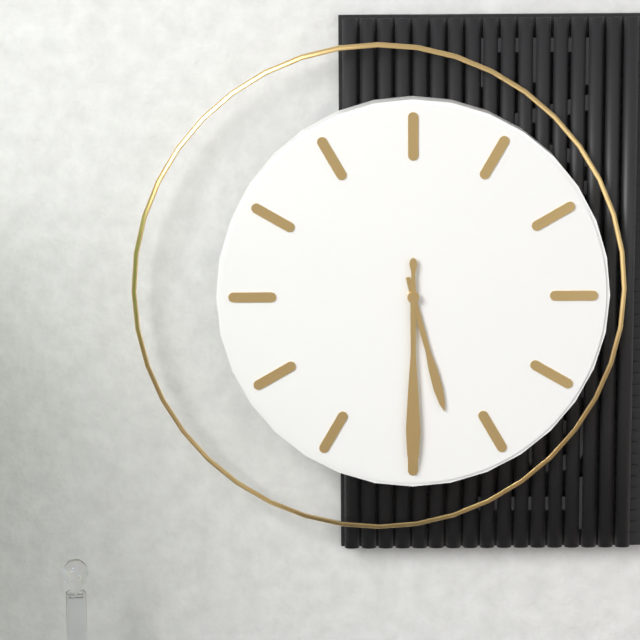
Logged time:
h=5 m=30
